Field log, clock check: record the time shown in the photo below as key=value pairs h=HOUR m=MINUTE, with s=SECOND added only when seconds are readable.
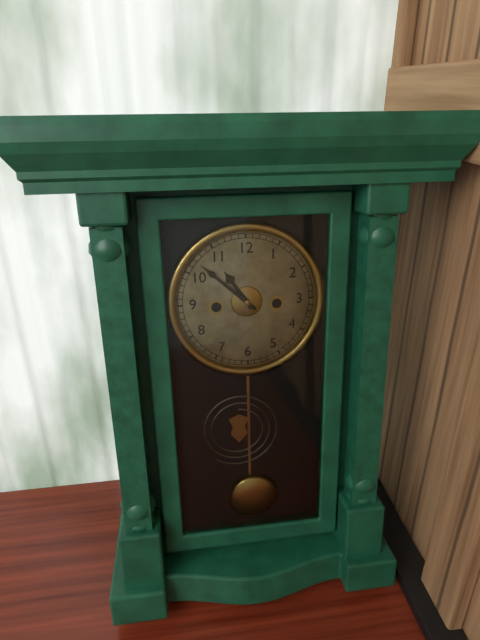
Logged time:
h=10 m=52
